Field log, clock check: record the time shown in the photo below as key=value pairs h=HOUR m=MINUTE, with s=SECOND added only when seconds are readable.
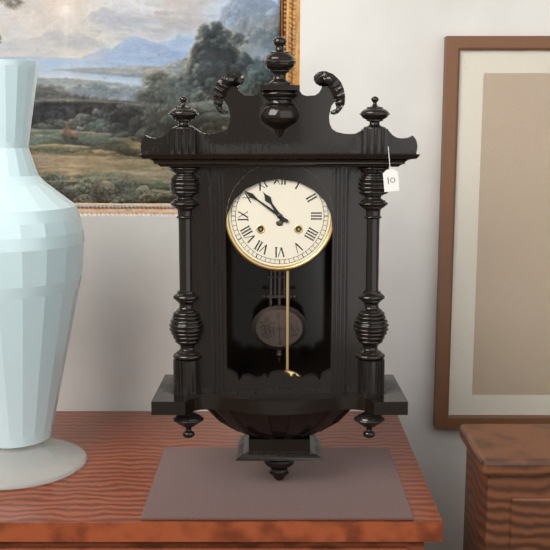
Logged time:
h=10 m=51
